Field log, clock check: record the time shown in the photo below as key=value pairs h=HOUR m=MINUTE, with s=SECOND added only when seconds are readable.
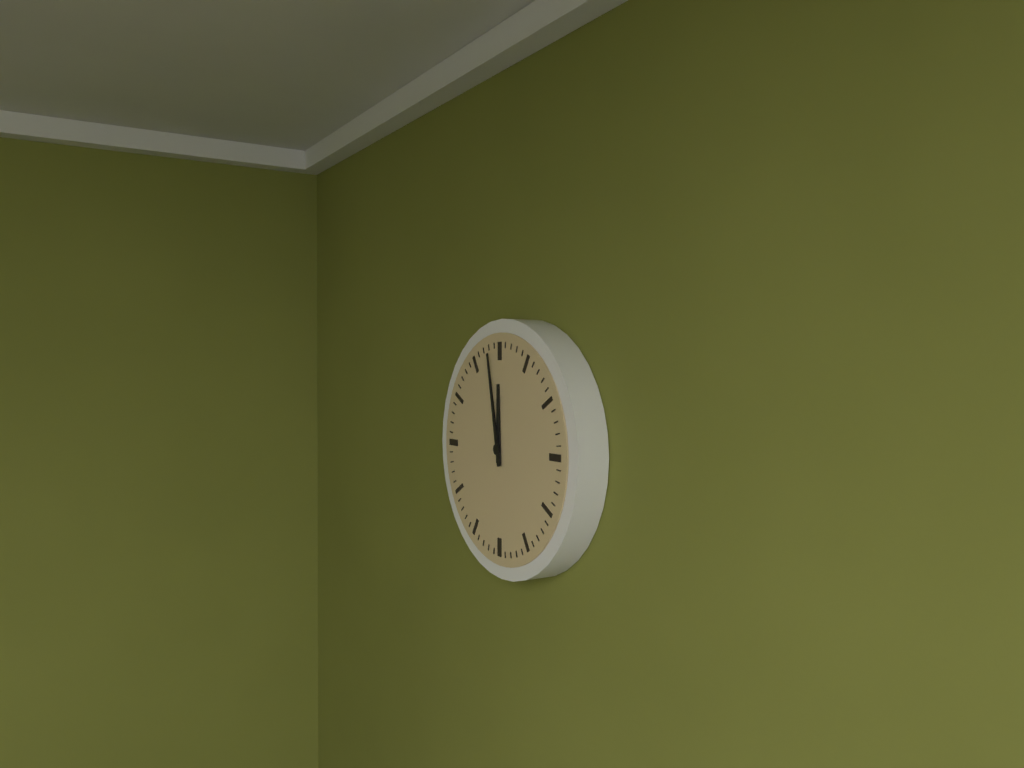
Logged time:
h=11 m=58
